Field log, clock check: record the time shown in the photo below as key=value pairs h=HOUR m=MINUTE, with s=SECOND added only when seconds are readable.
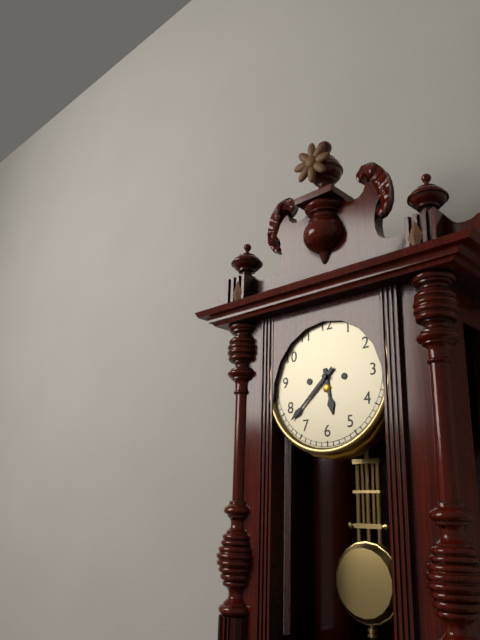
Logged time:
h=5 m=38
